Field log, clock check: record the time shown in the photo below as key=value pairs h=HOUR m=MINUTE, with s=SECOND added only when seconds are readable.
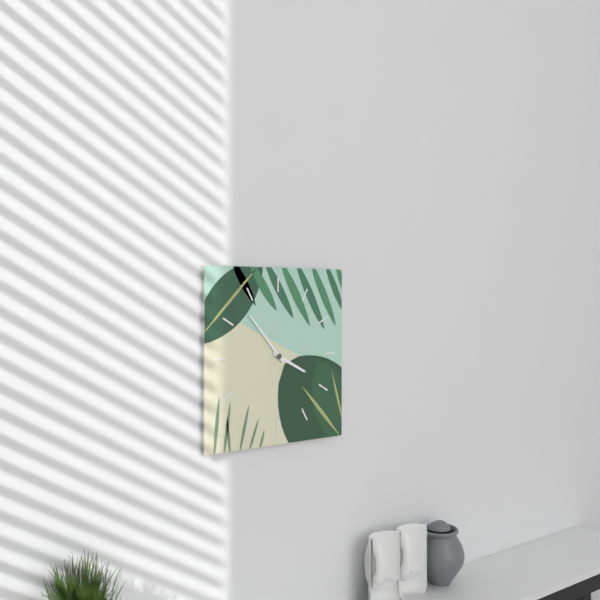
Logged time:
h=3 m=53
